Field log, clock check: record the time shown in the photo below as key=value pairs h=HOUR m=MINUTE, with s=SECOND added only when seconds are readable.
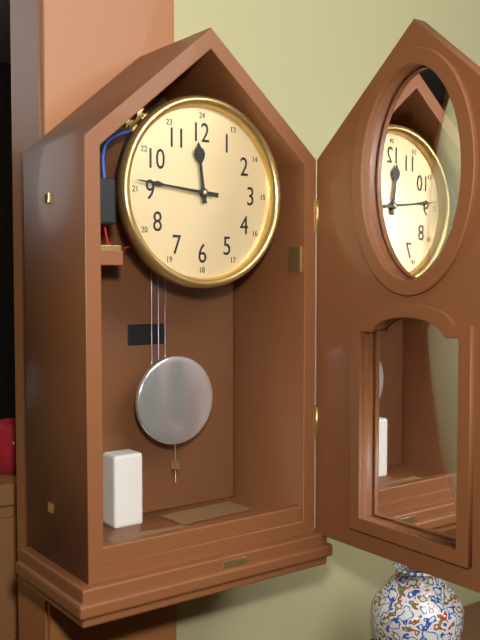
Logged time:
h=11 m=46
